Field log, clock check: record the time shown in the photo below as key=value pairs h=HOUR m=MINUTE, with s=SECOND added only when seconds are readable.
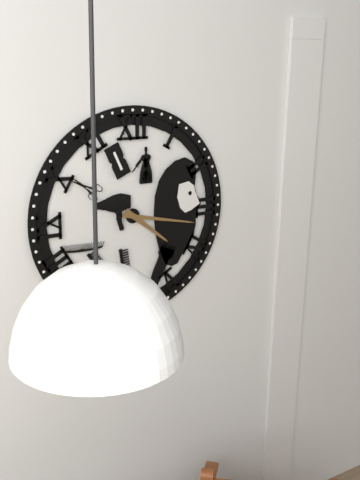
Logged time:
h=4 m=17
